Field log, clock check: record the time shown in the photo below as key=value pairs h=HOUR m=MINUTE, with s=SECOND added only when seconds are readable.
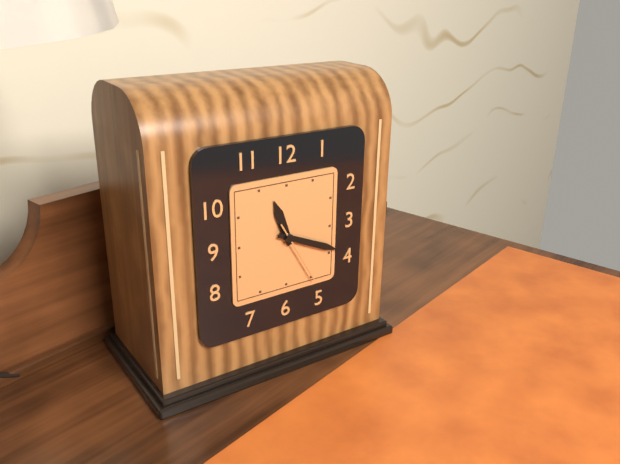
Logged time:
h=11 m=19 s=25
